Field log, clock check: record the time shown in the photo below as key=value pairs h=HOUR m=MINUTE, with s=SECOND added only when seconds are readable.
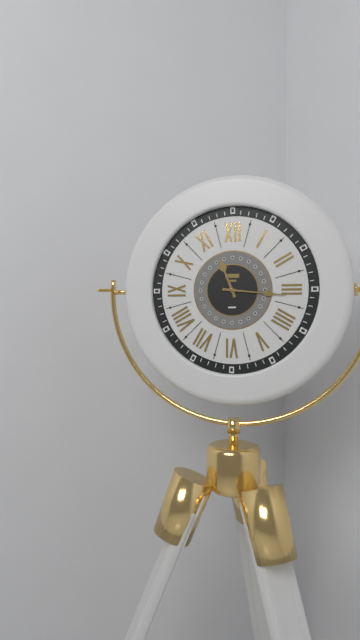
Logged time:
h=11 m=16
